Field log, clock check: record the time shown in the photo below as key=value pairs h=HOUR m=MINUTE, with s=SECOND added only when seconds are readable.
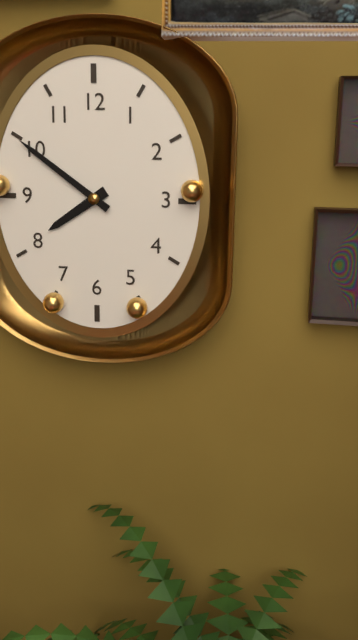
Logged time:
h=7 m=51
